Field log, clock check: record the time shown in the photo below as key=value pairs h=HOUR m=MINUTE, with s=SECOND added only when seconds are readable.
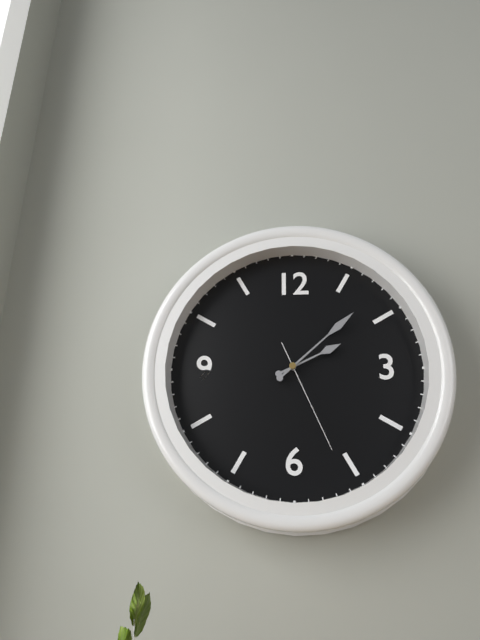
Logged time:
h=2 m=8 s=26
